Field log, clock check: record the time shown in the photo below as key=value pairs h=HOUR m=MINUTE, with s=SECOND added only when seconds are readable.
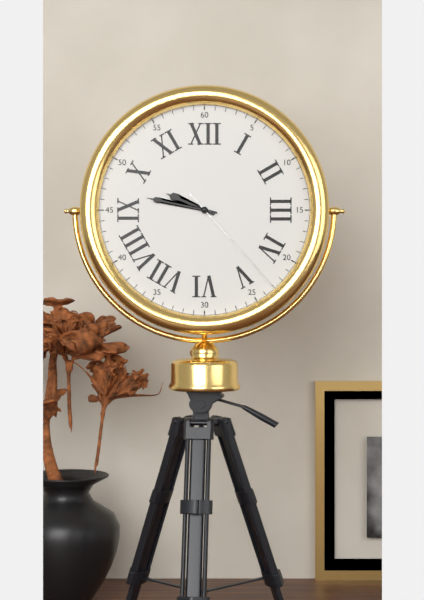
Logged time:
h=9 m=47 s=23
